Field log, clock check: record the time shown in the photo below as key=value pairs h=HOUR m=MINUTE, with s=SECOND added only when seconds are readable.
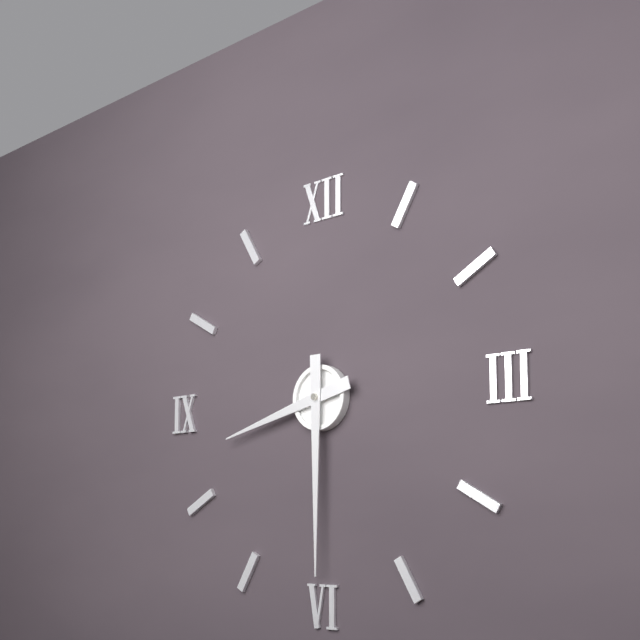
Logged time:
h=8 m=30
